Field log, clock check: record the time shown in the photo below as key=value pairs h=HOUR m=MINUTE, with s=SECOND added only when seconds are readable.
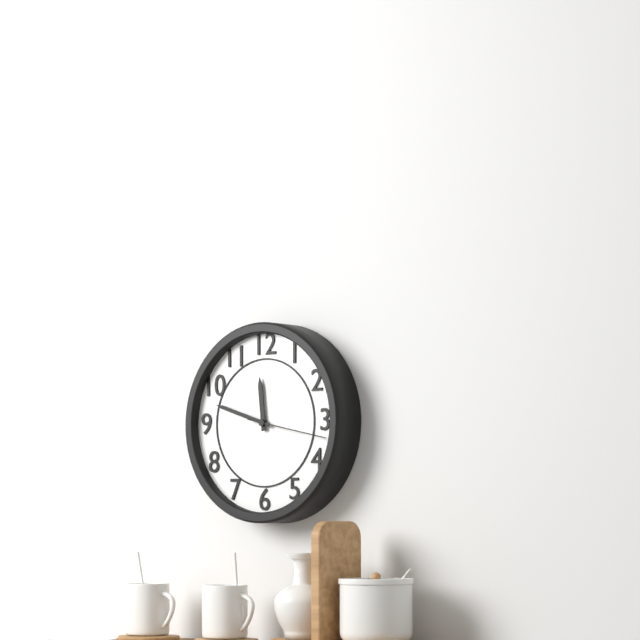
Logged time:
h=11 m=48 s=17
